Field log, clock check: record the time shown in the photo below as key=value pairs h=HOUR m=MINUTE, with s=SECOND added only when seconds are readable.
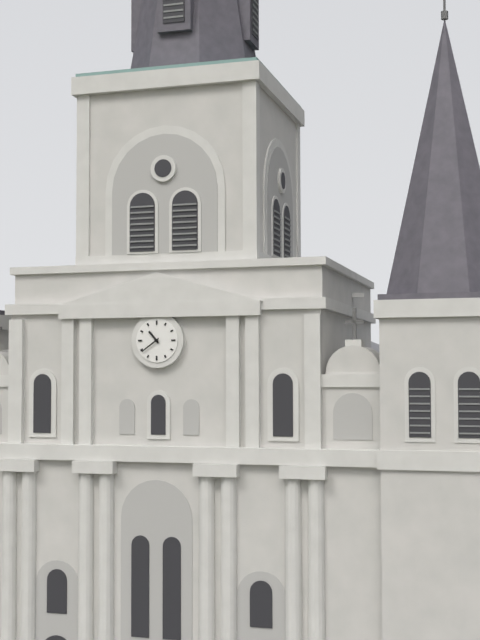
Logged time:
h=10 m=39
